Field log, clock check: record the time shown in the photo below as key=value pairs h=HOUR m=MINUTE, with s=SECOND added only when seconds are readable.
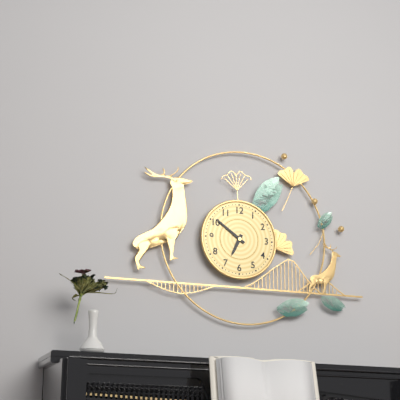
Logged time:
h=6 m=51
